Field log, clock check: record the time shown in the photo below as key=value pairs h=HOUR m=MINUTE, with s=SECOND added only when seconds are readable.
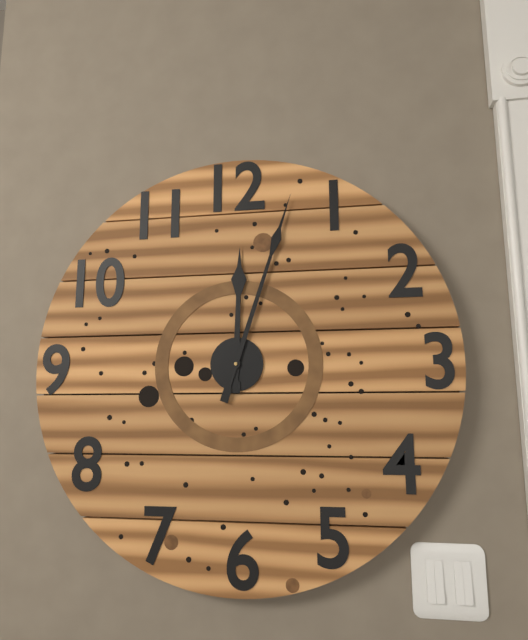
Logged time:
h=12 m=3
